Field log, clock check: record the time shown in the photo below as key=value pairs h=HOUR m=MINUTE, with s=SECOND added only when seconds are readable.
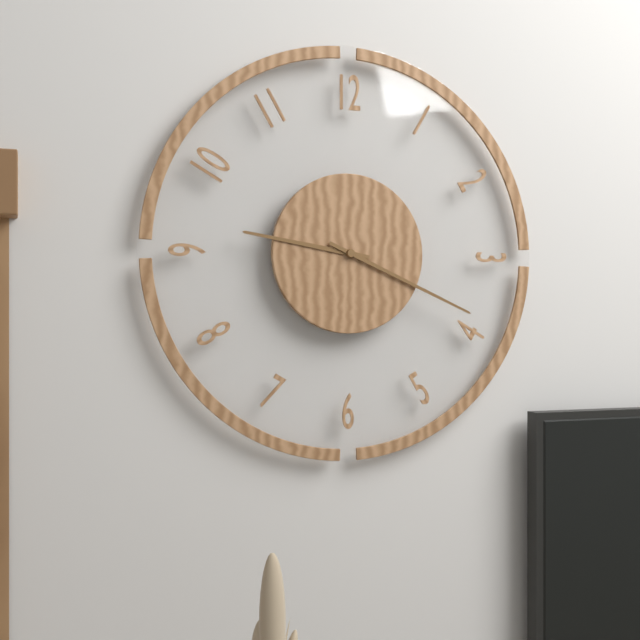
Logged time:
h=9 m=19
